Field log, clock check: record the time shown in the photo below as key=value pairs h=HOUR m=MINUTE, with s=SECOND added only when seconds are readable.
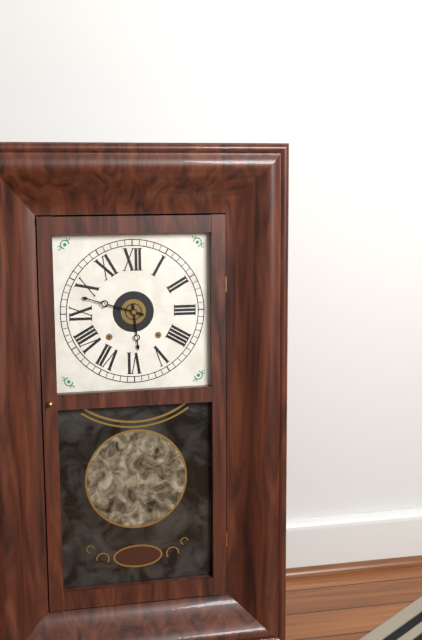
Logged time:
h=5 m=48
